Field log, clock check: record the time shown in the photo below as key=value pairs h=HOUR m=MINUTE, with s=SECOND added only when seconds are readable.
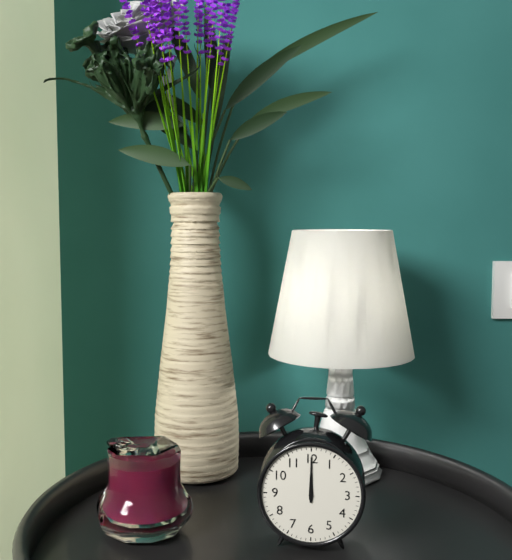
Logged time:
h=12 m=0
